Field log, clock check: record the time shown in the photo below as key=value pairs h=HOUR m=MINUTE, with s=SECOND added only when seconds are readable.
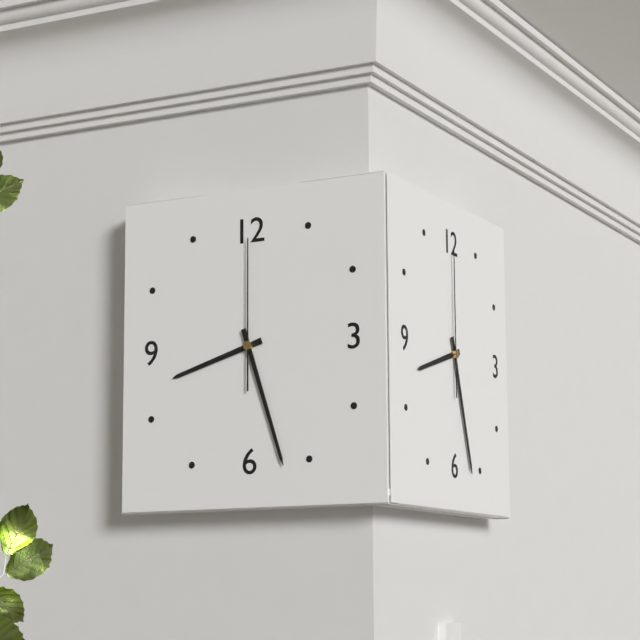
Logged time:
h=8 m=27 s=0
